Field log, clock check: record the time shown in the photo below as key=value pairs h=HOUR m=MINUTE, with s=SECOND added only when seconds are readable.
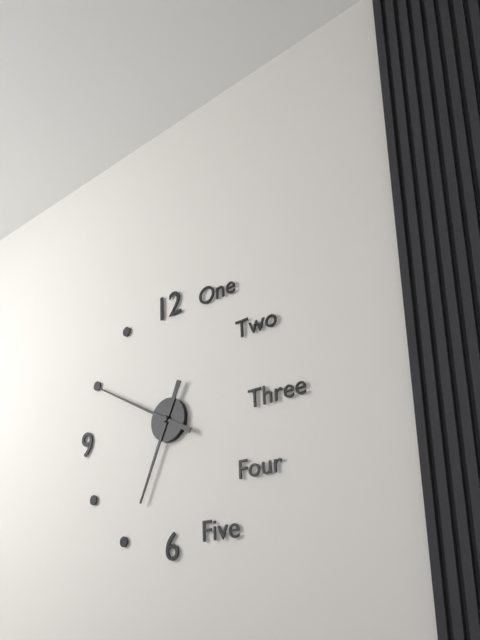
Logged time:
h=6 m=50
